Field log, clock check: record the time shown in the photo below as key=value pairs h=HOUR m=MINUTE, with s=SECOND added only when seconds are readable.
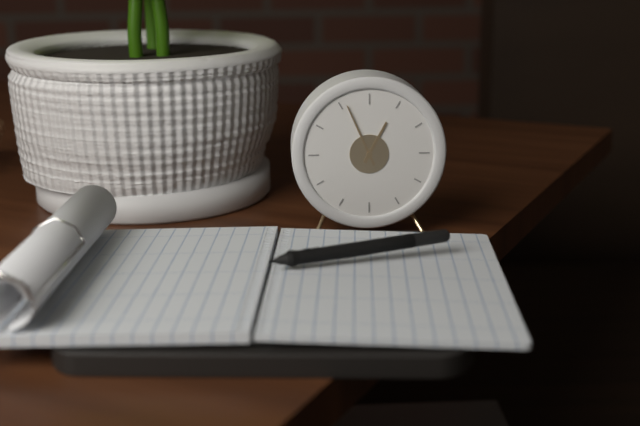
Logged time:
h=12 m=56
